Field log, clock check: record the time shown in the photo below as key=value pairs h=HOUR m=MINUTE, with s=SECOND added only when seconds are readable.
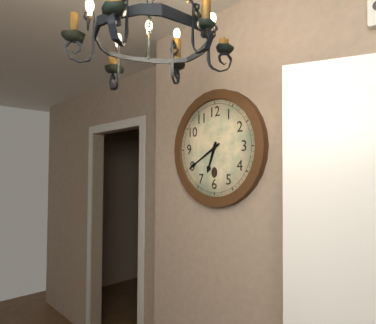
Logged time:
h=6 m=40
